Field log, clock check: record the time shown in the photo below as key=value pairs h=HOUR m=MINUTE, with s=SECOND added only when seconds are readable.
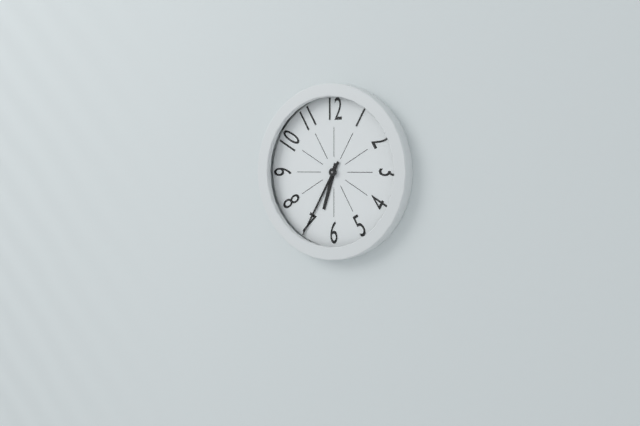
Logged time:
h=6 m=35
